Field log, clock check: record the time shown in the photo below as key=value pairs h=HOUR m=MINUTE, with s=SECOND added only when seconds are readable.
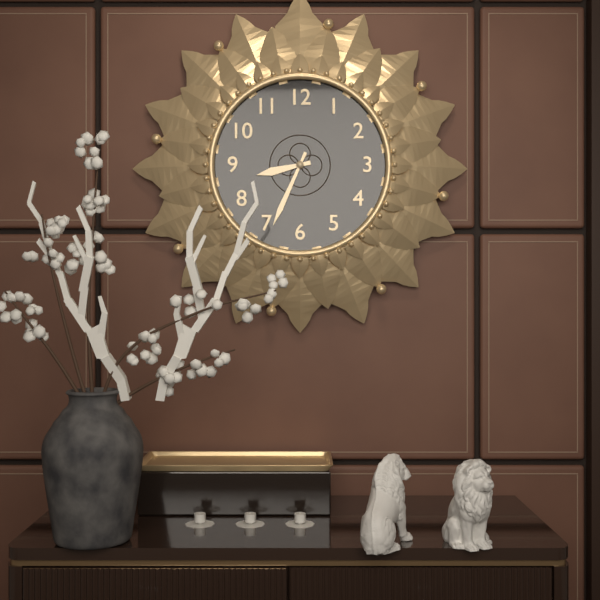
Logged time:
h=8 m=34
